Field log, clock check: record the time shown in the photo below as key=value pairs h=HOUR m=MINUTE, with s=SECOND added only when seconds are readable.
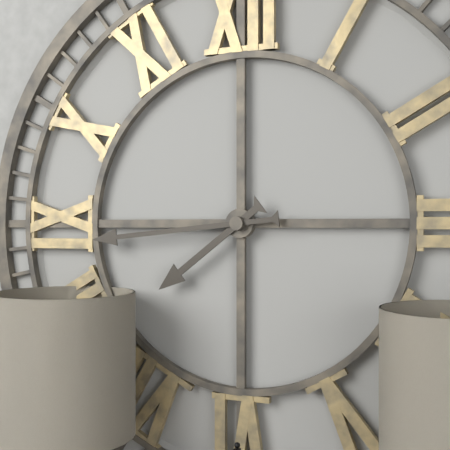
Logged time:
h=7 m=44
